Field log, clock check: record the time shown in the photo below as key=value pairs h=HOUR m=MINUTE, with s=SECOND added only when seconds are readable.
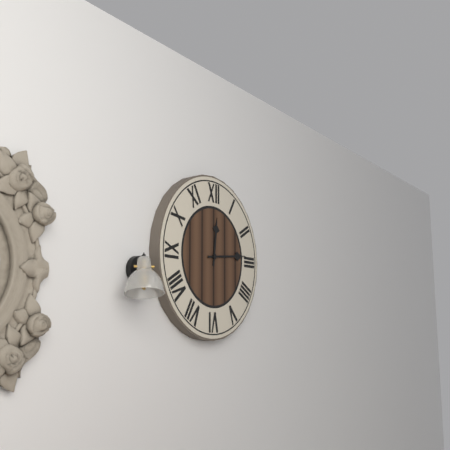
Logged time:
h=12 m=14
